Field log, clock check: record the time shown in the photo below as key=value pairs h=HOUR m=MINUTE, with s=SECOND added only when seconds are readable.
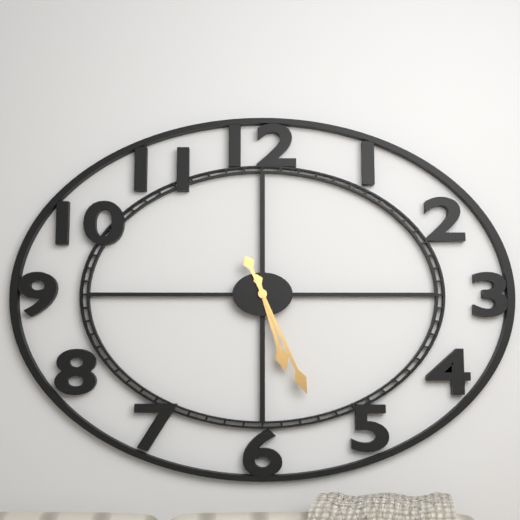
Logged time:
h=5 m=26
